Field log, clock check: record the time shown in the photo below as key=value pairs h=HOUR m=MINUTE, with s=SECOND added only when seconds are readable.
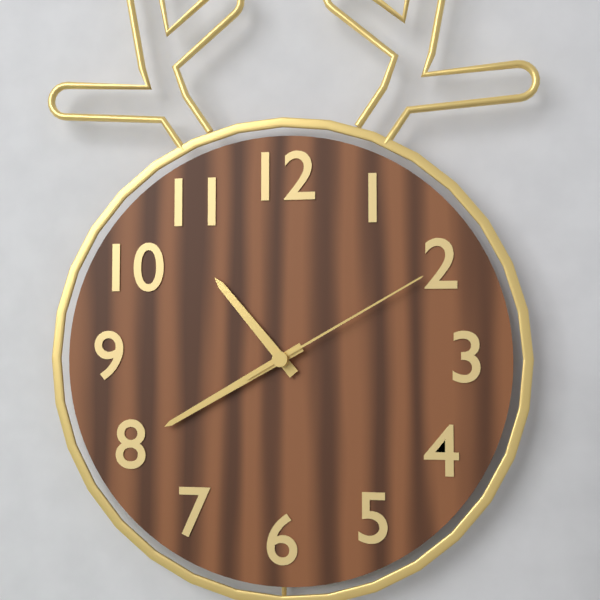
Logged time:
h=10 m=40 s=10
